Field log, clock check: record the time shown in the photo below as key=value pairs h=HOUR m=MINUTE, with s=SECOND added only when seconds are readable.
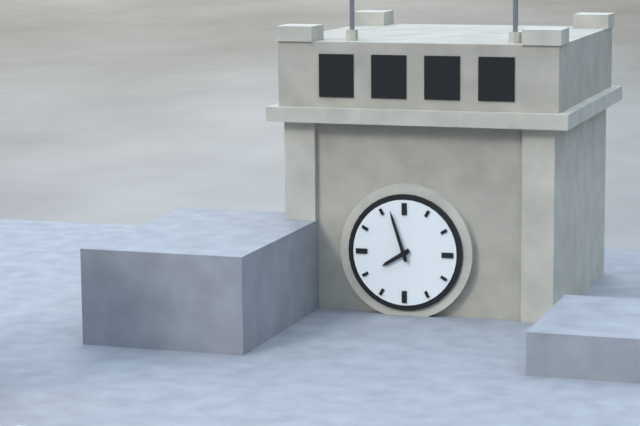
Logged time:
h=7 m=57
